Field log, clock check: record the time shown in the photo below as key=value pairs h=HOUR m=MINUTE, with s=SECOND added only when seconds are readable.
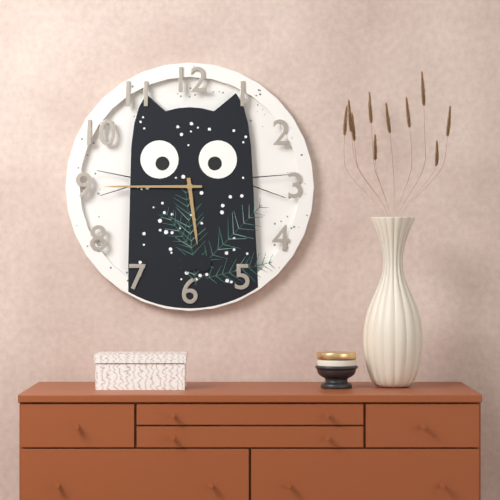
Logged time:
h=5 m=45
